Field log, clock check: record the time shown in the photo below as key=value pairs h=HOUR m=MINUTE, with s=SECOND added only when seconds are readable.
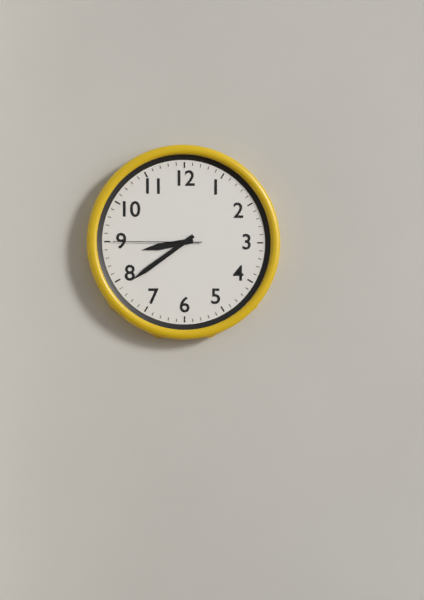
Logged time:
h=8 m=39 s=45
